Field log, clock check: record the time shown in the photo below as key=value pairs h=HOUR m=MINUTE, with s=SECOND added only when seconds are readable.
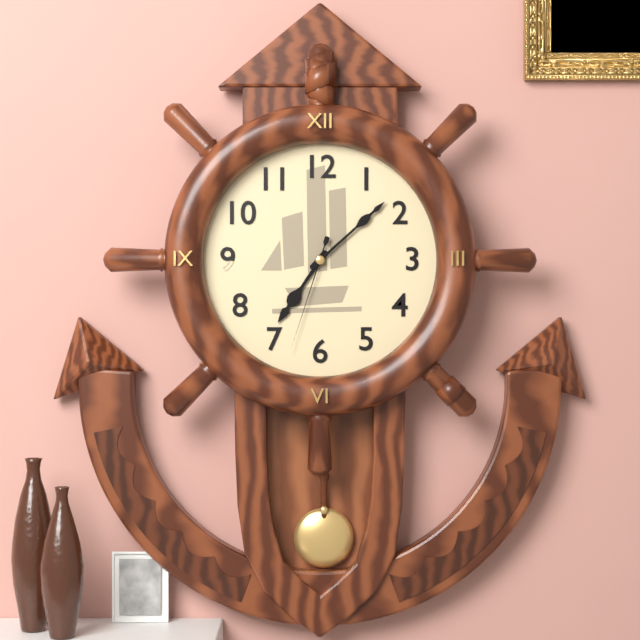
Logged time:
h=7 m=8 s=33
